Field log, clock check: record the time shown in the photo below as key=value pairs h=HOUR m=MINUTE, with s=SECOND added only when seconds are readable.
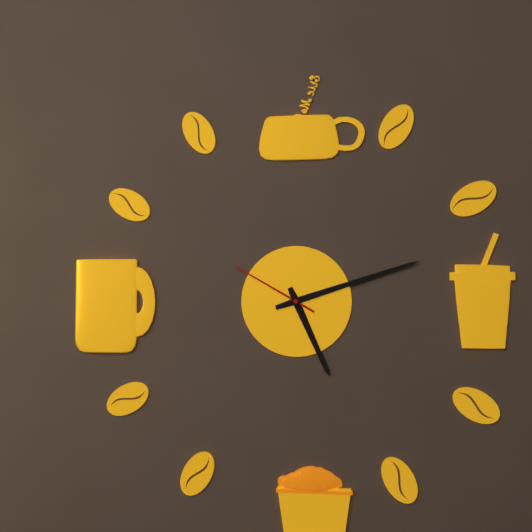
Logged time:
h=5 m=12 s=50
